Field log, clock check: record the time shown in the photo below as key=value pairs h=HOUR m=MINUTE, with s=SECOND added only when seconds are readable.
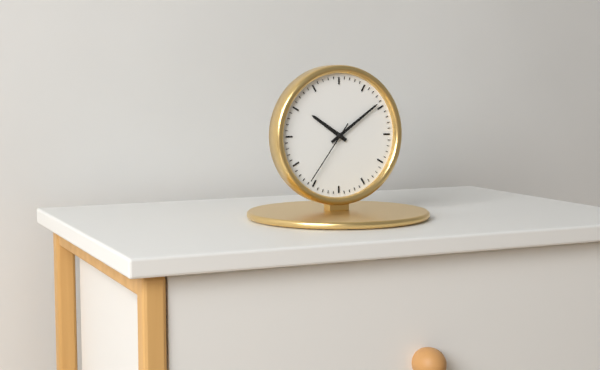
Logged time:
h=10 m=9 s=36
